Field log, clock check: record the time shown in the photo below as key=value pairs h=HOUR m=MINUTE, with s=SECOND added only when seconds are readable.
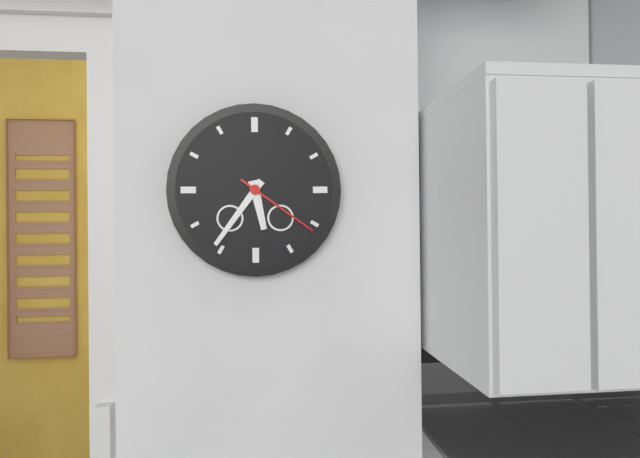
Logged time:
h=5 m=36 s=21
